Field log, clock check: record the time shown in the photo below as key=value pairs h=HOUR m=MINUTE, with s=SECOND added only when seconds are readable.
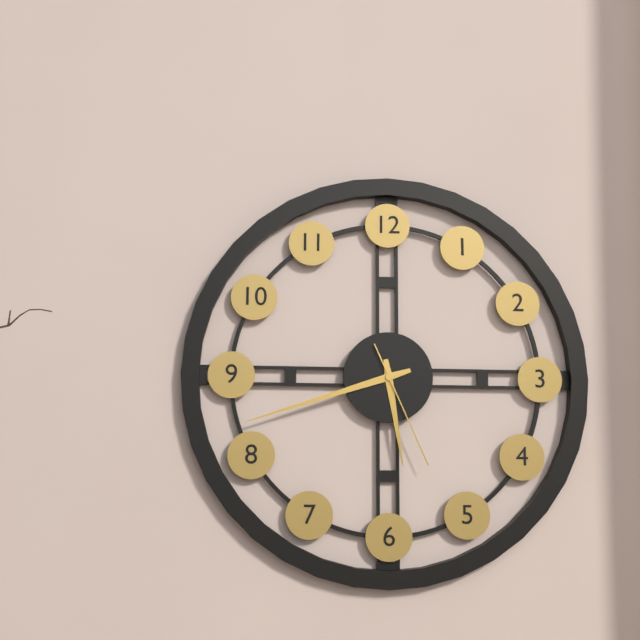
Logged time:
h=5 m=42 s=26
